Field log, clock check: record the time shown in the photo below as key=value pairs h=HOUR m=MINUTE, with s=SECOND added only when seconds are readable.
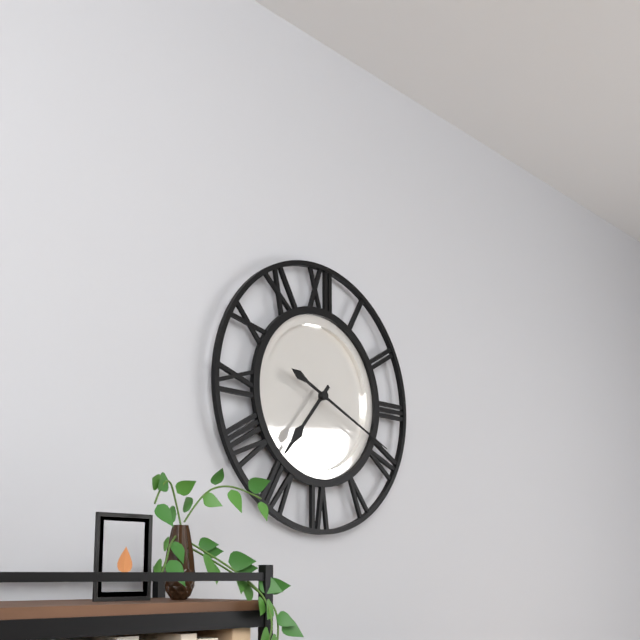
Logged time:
h=7 m=19
